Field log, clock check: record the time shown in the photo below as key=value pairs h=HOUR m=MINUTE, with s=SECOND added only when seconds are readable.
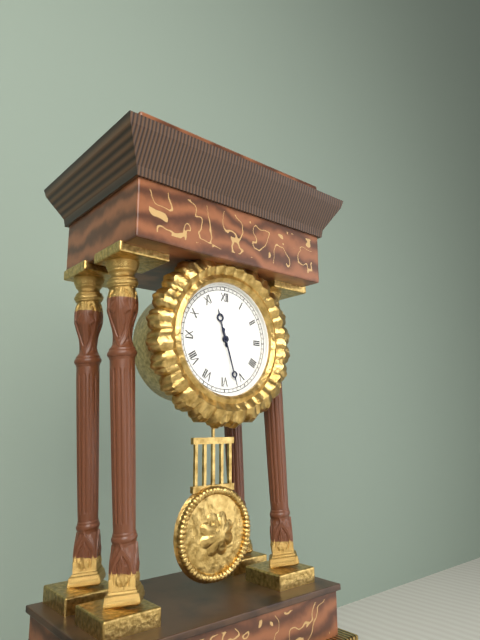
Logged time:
h=11 m=27
